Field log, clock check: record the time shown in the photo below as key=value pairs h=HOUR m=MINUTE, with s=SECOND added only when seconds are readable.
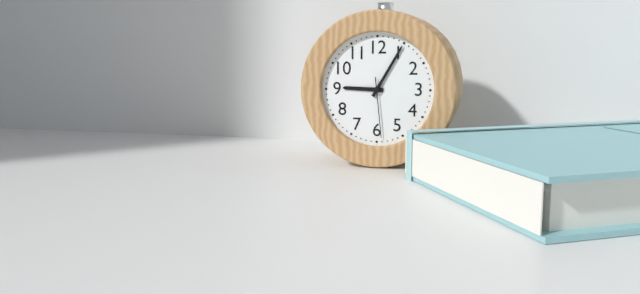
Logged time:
h=9 m=5 s=29
